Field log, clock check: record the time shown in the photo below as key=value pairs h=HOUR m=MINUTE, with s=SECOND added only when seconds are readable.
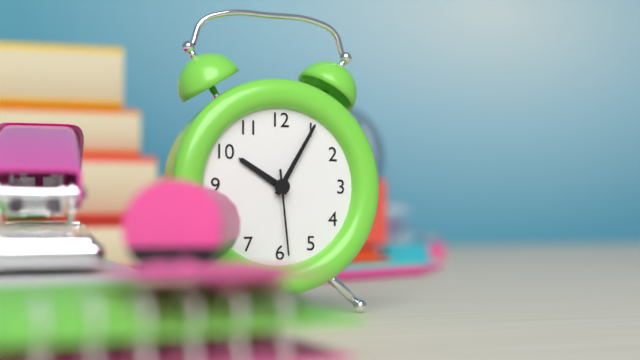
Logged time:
h=10 m=5 s=29
